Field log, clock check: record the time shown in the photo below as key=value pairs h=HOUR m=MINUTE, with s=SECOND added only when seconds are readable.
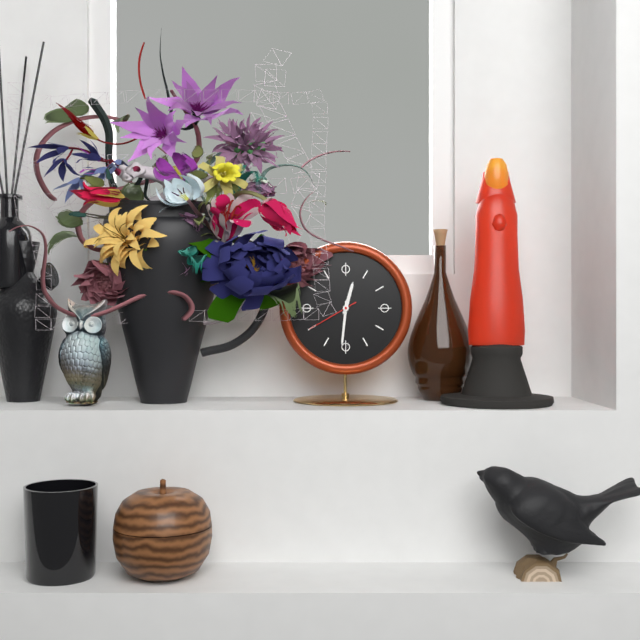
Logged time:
h=12 m=31 s=40
